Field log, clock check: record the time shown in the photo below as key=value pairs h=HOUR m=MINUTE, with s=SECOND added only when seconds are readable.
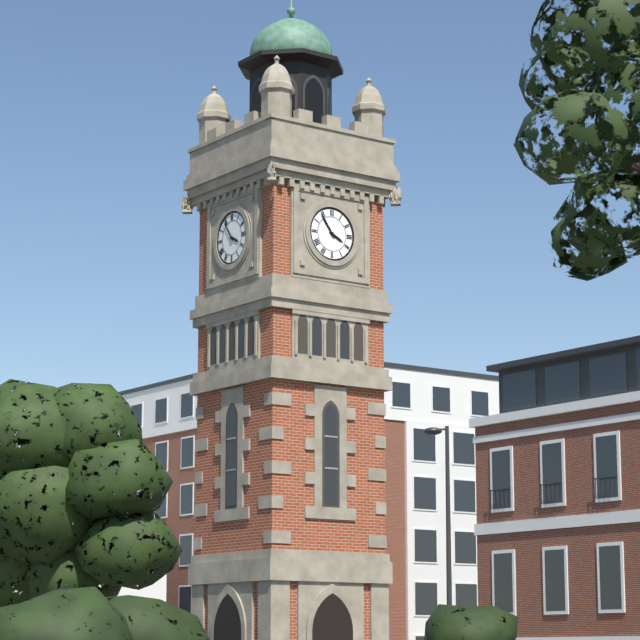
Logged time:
h=3 m=54
